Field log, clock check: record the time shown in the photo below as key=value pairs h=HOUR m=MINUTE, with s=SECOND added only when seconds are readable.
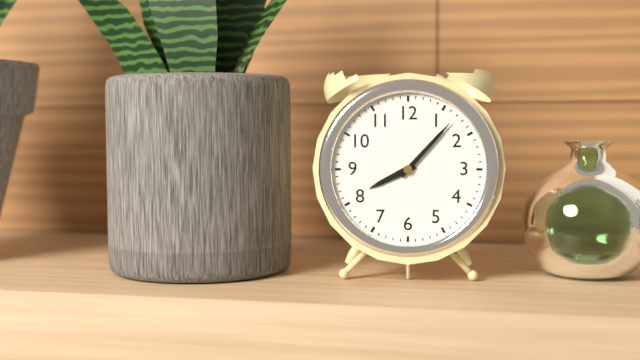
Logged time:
h=8 m=7
